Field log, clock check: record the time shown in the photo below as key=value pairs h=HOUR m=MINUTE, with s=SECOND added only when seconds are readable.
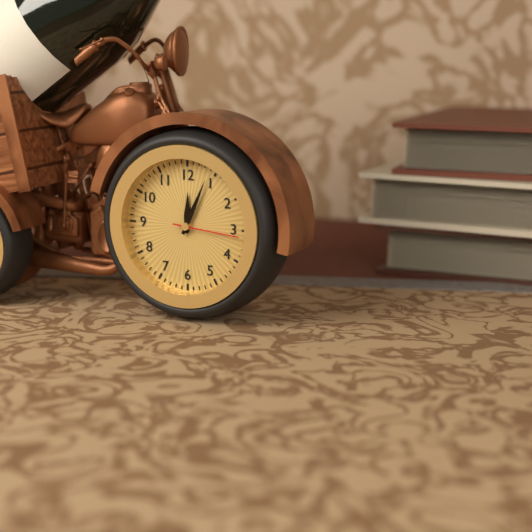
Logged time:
h=12 m=4 s=16
